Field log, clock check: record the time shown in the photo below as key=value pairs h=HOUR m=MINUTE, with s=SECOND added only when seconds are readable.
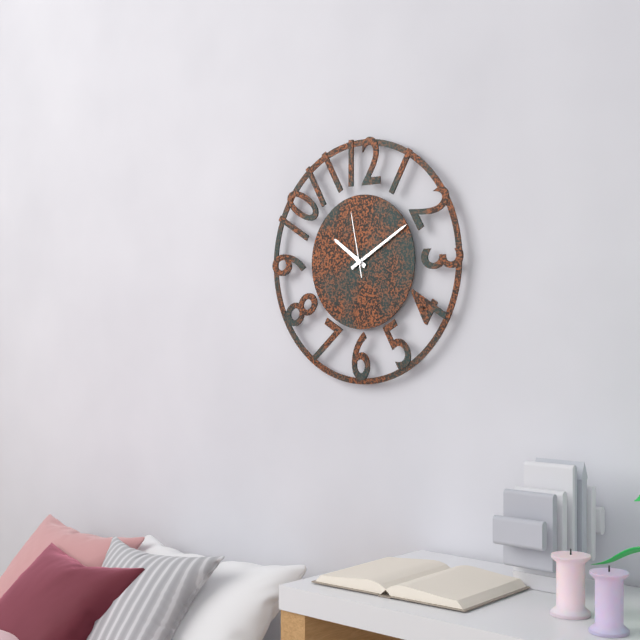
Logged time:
h=10 m=10 s=58
